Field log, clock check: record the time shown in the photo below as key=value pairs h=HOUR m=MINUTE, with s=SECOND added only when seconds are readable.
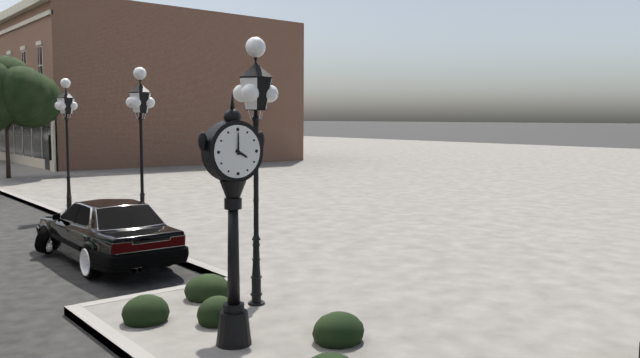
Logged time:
h=4 m=0
